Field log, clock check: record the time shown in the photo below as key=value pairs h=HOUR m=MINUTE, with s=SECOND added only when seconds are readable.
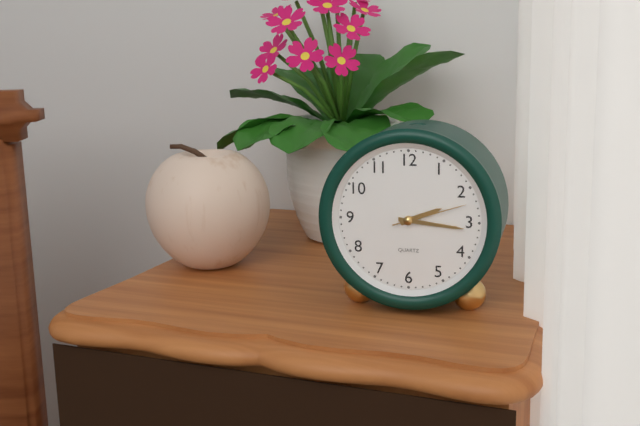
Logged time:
h=2 m=16 s=12
